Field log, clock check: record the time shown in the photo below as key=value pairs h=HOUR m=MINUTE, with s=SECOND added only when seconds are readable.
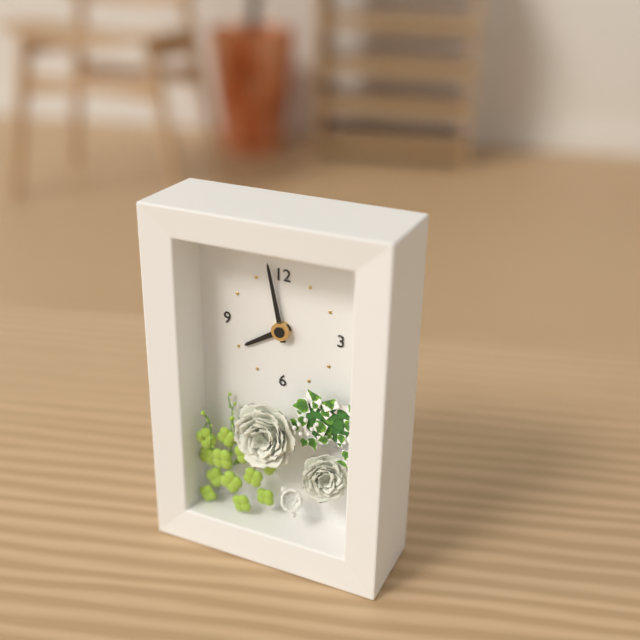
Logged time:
h=7 m=58
